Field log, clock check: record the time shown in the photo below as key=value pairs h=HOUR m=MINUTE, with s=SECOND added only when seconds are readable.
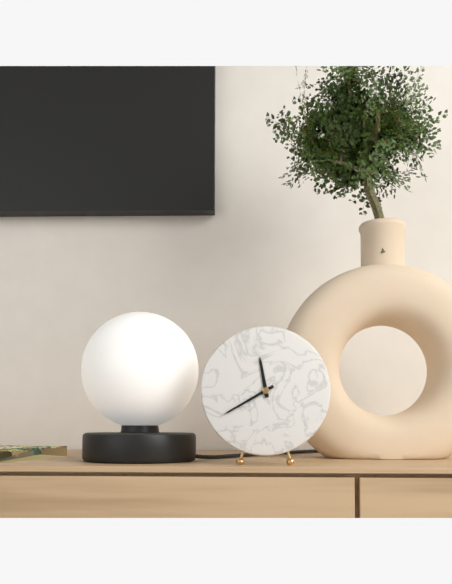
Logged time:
h=11 m=40
